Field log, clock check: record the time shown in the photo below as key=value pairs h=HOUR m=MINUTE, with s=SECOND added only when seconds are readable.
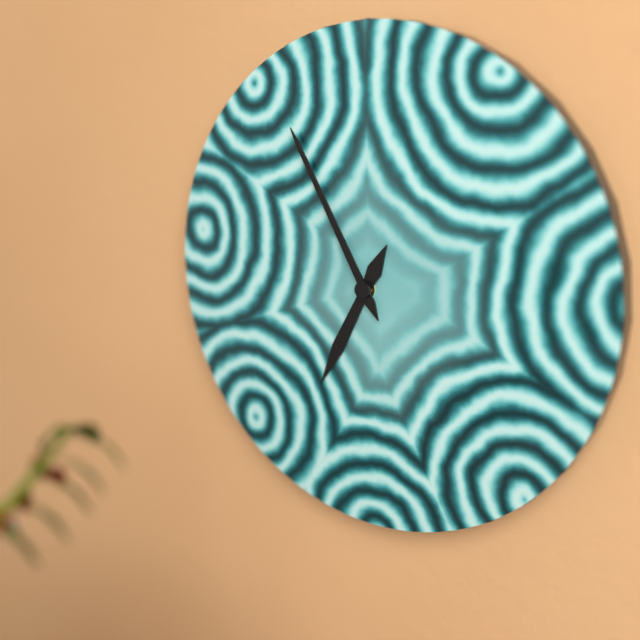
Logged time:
h=6 m=55
